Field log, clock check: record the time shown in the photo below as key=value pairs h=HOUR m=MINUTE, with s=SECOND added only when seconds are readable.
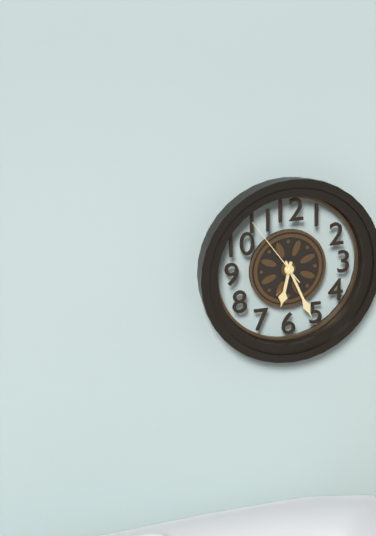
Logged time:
h=6 m=26 s=54
